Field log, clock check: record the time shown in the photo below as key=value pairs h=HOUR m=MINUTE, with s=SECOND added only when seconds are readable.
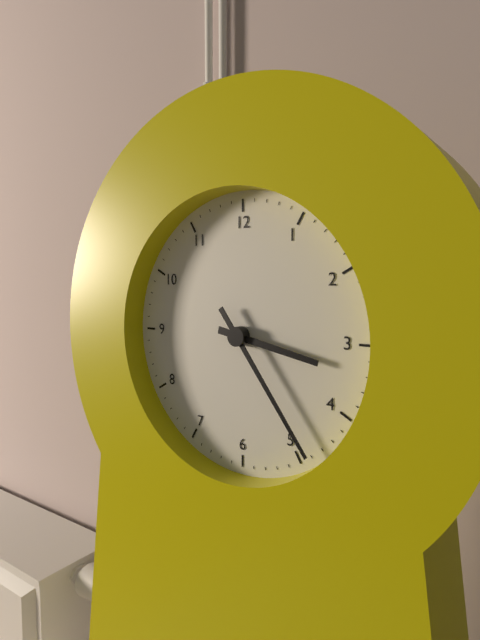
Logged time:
h=3 m=24
